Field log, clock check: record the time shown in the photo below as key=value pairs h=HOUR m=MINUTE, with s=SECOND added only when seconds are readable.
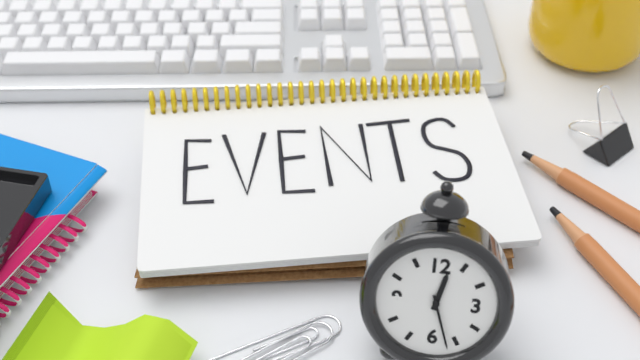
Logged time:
h=12 m=27
